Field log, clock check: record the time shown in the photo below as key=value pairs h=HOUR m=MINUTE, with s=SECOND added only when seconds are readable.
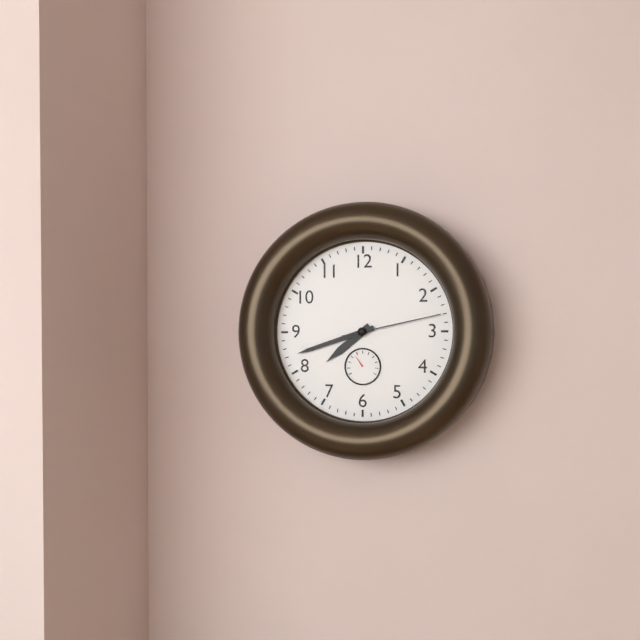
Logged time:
h=7 m=42 s=13
